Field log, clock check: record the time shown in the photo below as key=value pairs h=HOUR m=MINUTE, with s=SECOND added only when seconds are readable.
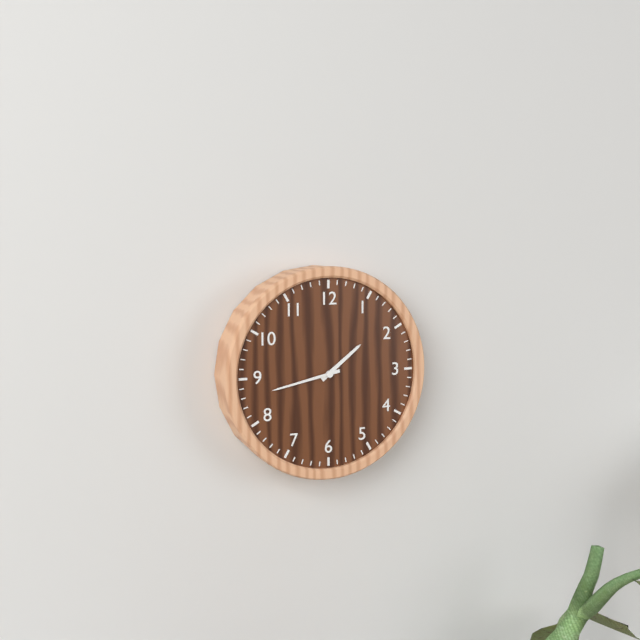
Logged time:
h=1 m=43
